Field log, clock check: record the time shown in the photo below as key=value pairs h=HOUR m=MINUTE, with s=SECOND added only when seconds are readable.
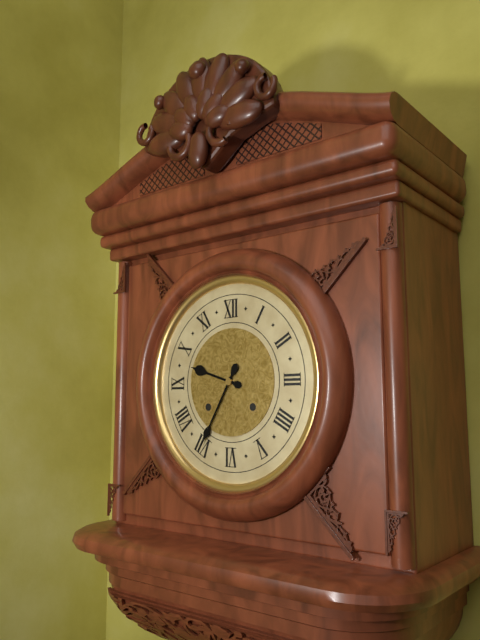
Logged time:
h=9 m=35
